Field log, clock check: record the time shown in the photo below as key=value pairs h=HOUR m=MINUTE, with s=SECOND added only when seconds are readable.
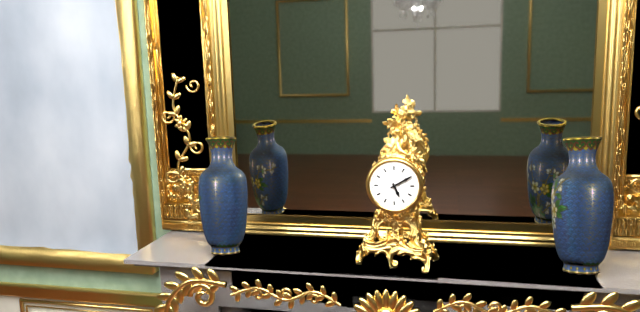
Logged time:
h=5 m=10
